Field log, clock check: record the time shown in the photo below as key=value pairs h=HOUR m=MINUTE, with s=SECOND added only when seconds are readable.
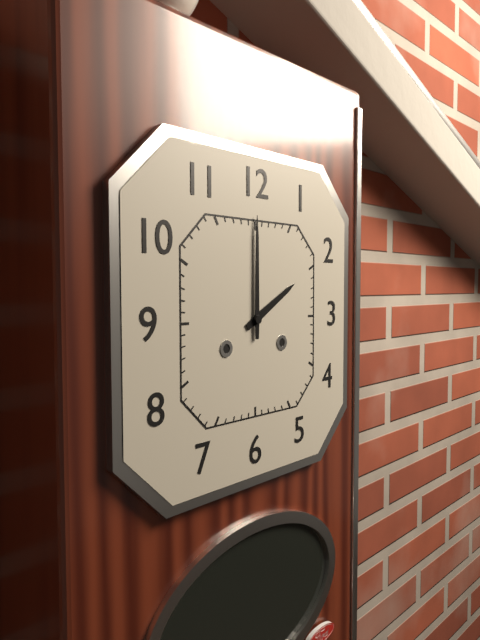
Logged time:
h=2 m=0
